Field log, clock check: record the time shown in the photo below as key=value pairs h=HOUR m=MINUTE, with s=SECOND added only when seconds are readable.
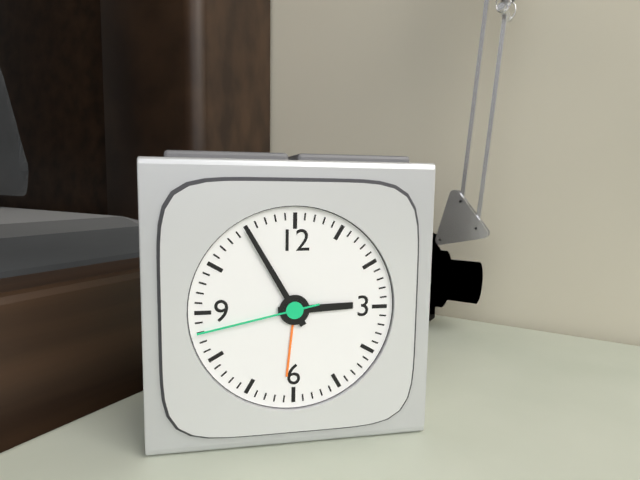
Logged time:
h=2 m=55 s=43
